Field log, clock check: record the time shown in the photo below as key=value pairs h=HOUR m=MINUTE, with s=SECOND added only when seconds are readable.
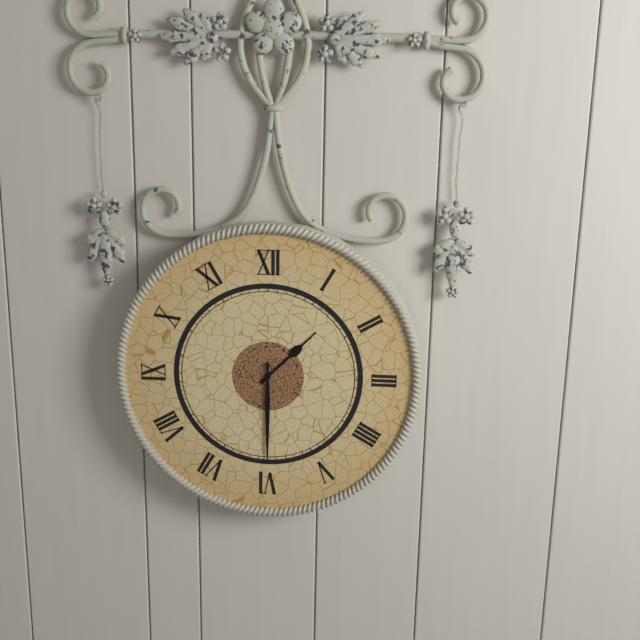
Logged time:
h=1 m=30
